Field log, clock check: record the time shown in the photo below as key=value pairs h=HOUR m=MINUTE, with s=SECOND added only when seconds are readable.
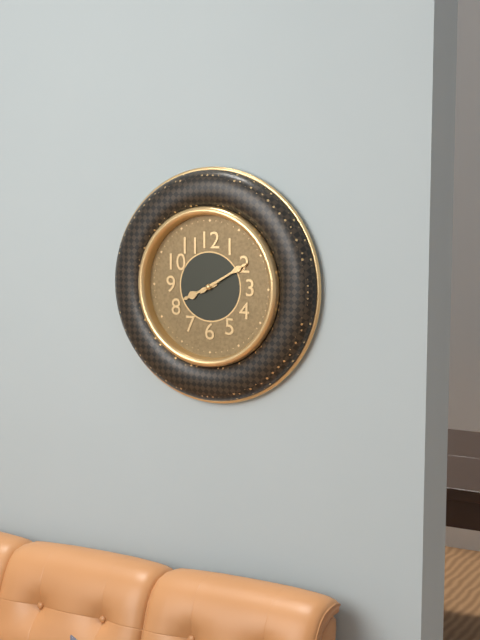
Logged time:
h=8 m=10
